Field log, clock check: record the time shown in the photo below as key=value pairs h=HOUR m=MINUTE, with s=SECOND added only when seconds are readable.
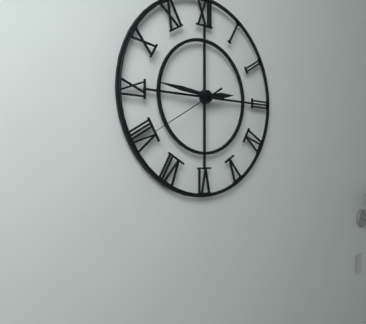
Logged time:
h=2 m=46 s=40
